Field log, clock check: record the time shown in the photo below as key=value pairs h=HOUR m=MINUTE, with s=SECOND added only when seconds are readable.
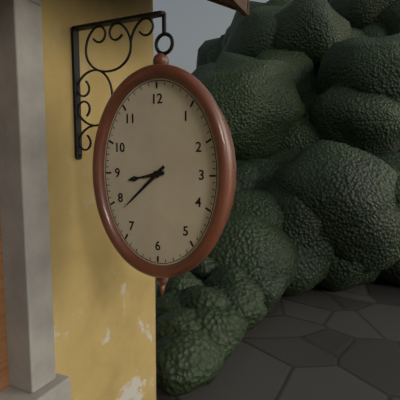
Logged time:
h=8 m=38
